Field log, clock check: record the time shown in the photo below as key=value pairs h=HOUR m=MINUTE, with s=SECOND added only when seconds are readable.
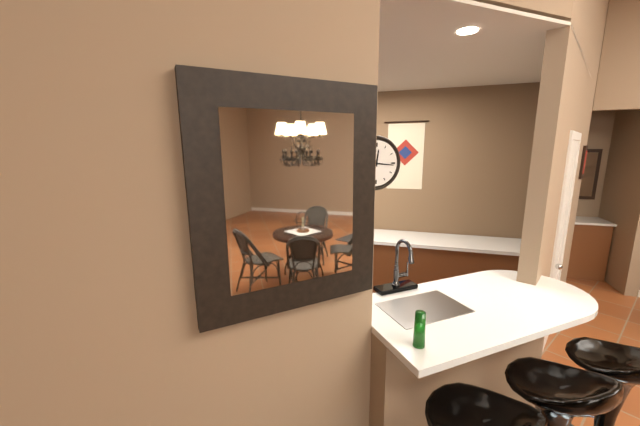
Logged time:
h=12 m=16
